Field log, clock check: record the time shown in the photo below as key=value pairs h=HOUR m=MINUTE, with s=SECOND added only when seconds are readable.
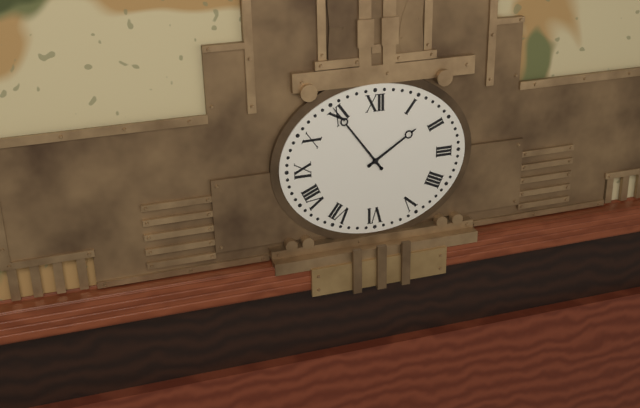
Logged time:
h=1 m=54
